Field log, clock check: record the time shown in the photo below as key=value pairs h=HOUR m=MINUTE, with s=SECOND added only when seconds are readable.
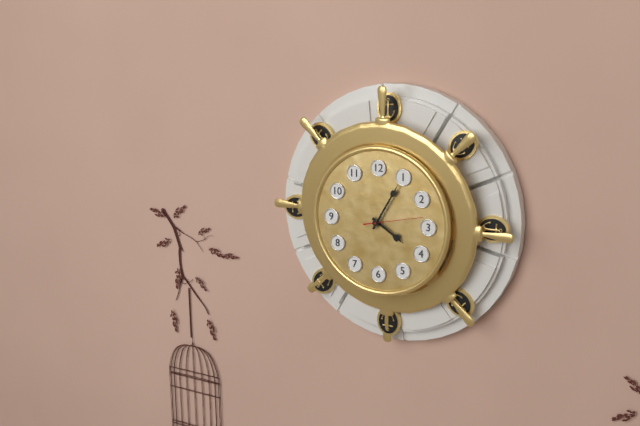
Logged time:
h=4 m=5 s=13
